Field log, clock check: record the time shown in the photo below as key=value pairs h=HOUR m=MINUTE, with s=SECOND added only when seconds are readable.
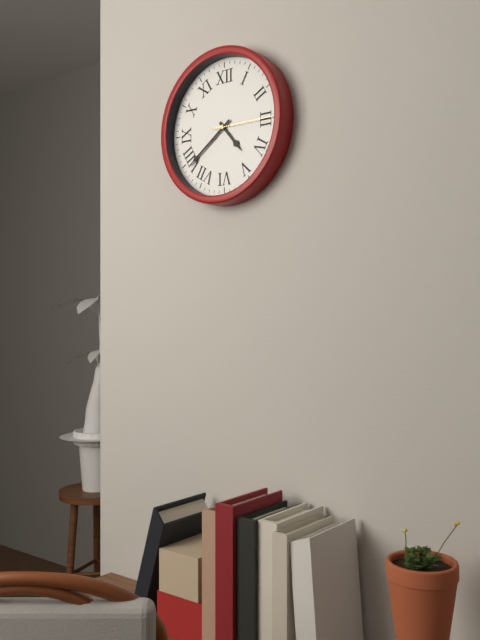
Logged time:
h=4 m=39 s=15
